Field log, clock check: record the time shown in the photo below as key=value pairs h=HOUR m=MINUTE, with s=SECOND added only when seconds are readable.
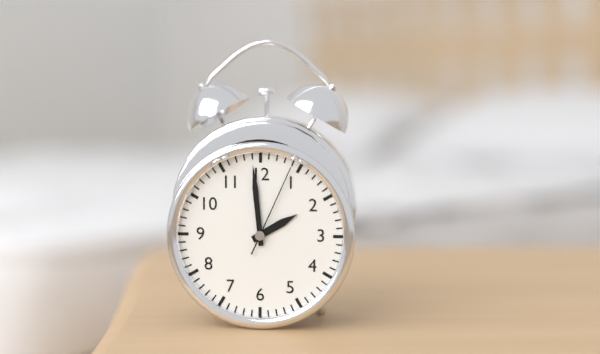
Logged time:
h=1 m=59 s=4
